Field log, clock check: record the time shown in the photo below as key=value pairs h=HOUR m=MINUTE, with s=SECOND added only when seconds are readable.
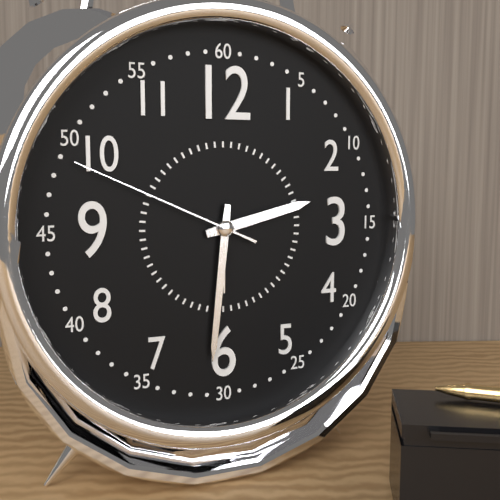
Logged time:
h=2 m=31 s=49
